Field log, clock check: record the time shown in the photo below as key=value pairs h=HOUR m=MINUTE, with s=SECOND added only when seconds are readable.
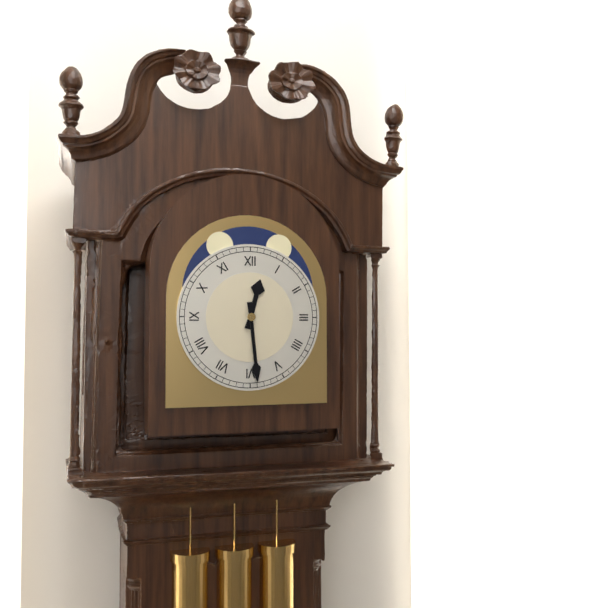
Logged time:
h=12 m=29
